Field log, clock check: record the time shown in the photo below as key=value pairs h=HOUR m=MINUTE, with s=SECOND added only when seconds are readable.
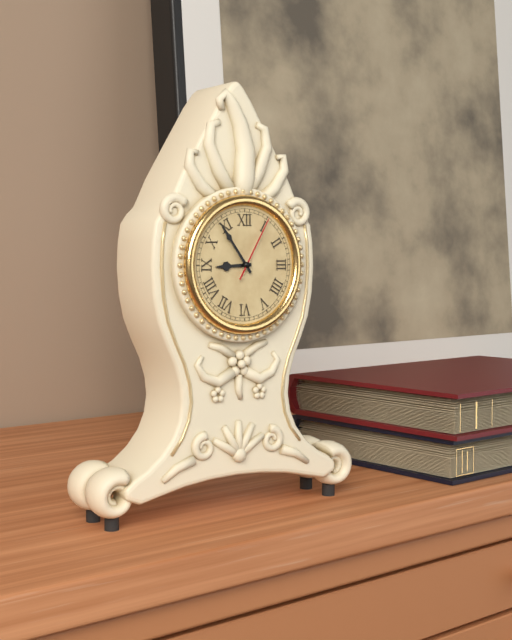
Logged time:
h=8 m=54 s=5
